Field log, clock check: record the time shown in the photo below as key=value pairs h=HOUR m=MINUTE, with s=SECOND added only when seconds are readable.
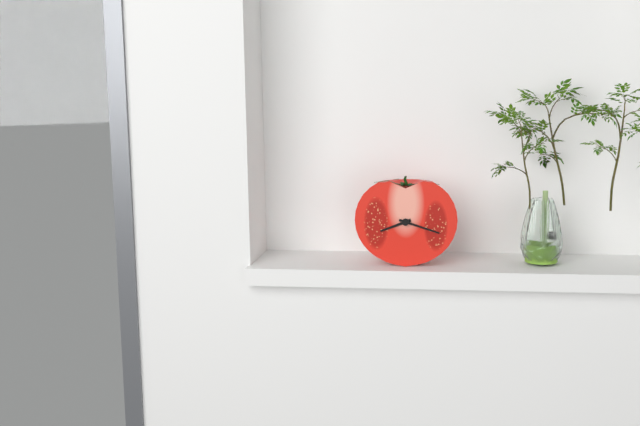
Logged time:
h=8 m=18
